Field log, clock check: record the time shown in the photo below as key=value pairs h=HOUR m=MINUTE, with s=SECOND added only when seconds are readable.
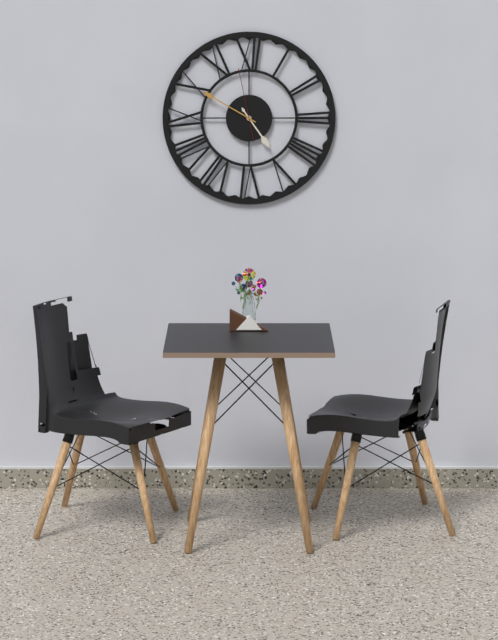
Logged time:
h=4 m=50 s=58
